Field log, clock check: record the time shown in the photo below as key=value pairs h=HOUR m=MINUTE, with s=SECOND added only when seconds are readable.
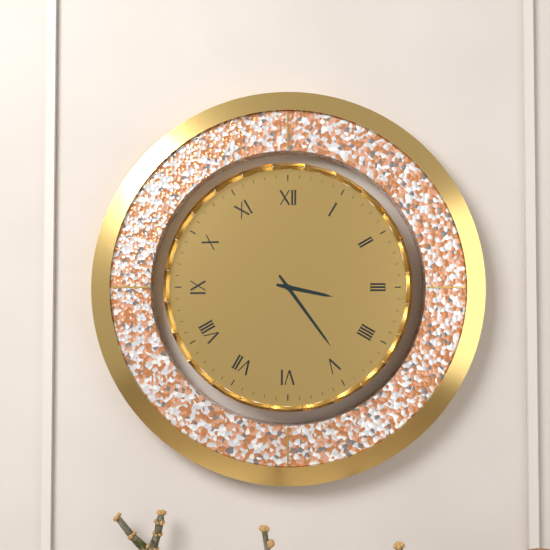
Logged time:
h=3 m=24
